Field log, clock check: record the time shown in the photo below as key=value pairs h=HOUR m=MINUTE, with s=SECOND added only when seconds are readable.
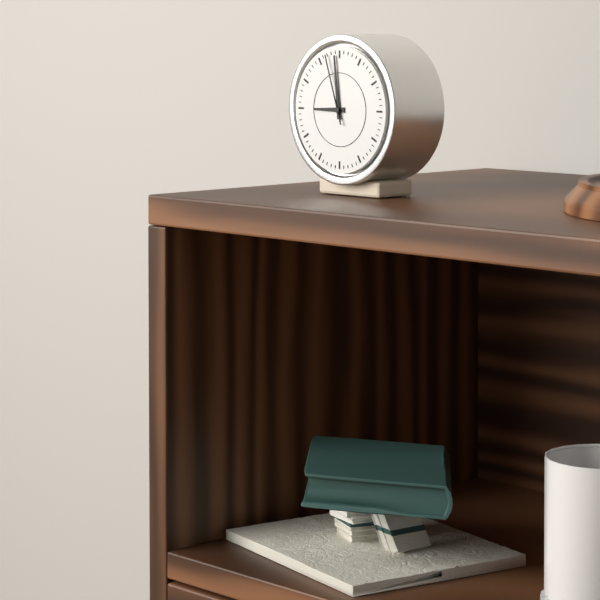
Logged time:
h=8 m=59 s=57
